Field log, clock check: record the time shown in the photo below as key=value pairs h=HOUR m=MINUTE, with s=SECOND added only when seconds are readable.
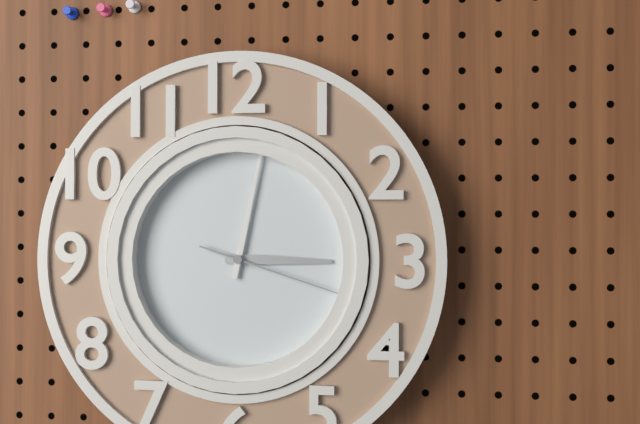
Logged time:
h=3 m=2 s=18
